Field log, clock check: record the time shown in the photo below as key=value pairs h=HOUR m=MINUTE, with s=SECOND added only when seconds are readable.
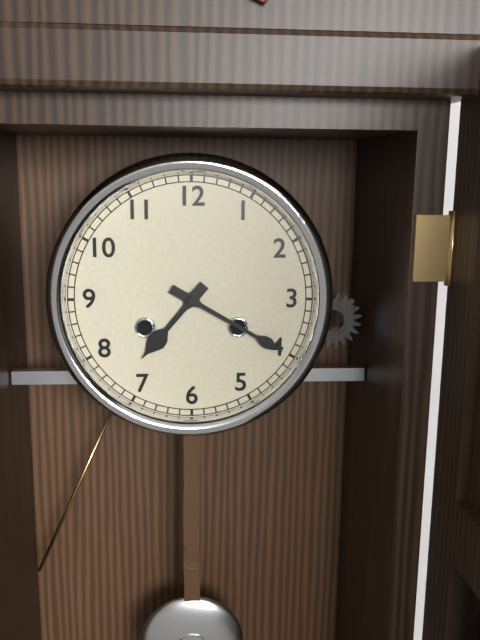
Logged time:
h=7 m=20
